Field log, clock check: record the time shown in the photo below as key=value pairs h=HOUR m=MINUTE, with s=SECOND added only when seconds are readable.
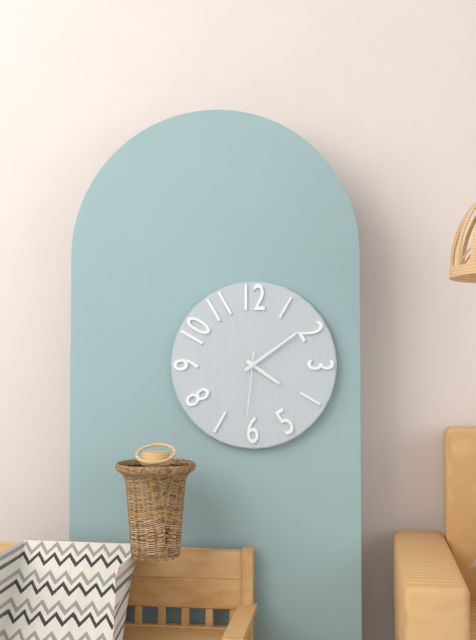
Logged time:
h=4 m=9 s=31
